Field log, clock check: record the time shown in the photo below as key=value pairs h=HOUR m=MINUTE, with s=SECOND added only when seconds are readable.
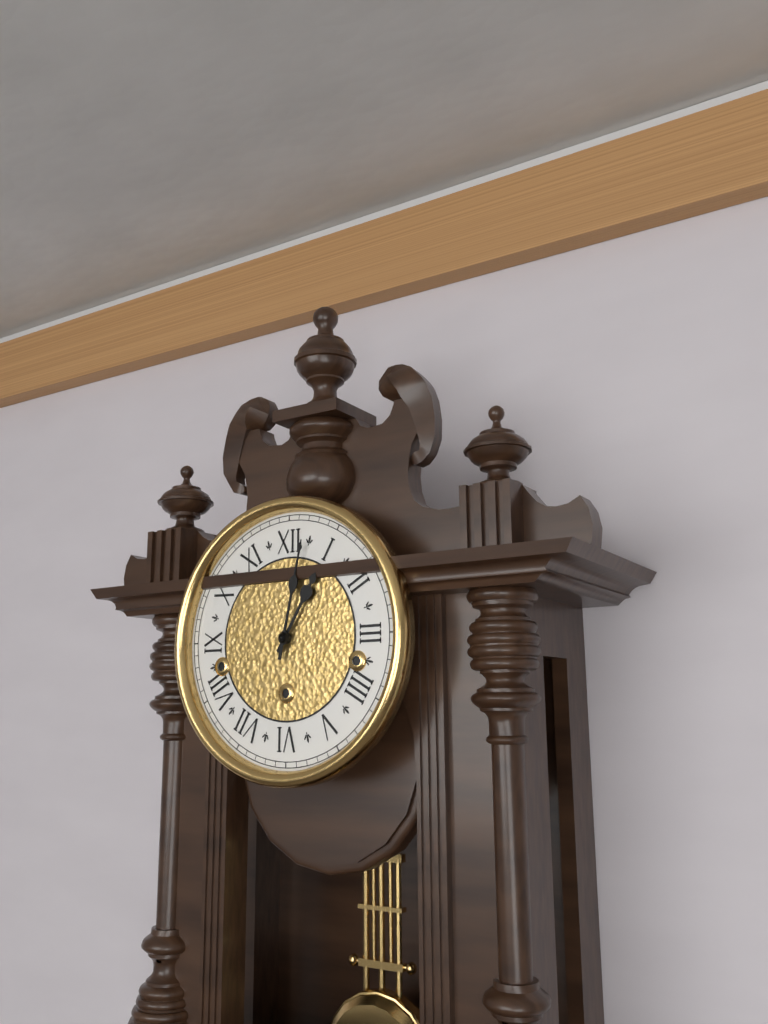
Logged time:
h=1 m=2
